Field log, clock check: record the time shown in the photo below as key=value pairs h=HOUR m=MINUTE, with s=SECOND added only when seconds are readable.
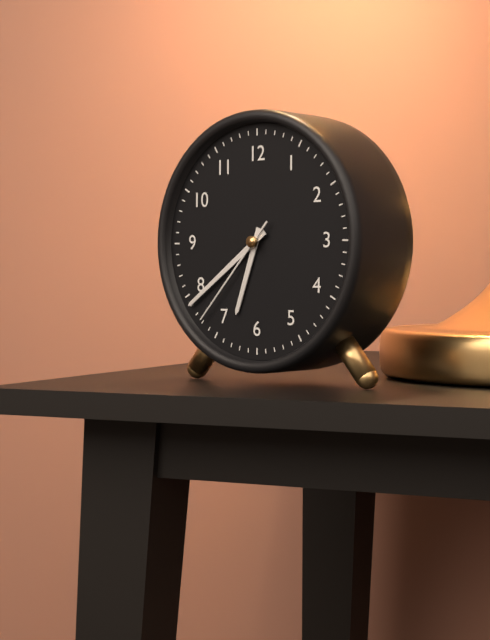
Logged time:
h=6 m=39 s=37
